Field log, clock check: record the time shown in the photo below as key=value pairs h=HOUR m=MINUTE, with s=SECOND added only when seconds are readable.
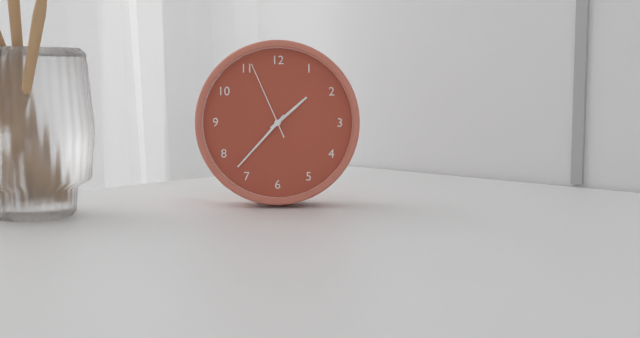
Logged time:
h=1 m=37 s=56
